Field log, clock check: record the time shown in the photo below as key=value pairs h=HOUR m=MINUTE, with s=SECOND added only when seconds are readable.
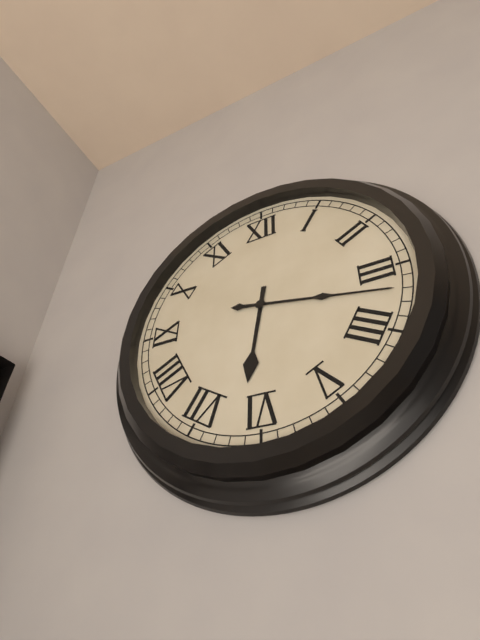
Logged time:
h=6 m=17
